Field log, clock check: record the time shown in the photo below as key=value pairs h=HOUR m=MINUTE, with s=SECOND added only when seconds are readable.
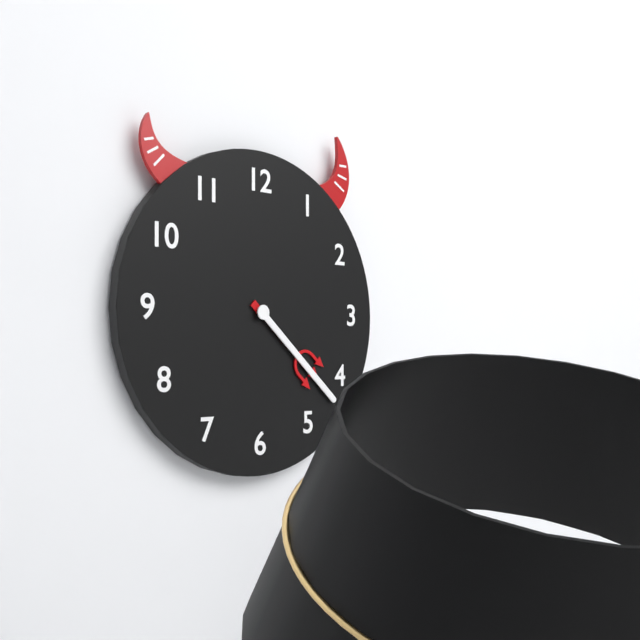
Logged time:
h=4 m=22
